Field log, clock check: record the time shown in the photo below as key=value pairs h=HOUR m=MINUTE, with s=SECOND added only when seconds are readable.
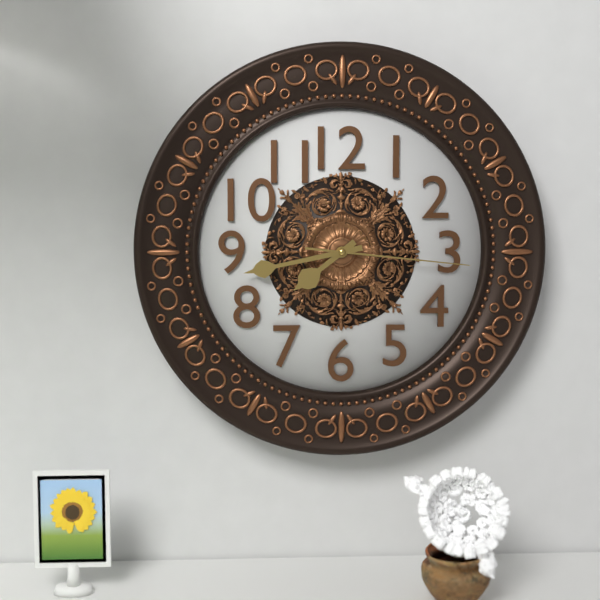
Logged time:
h=7 m=43 s=16
